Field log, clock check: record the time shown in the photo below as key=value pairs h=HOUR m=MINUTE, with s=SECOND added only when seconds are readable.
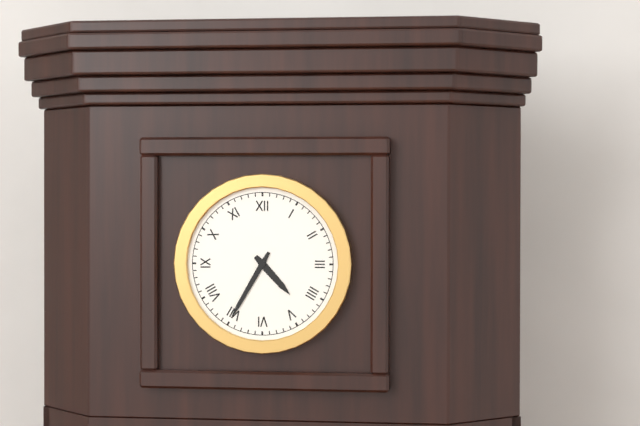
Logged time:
h=4 m=35
